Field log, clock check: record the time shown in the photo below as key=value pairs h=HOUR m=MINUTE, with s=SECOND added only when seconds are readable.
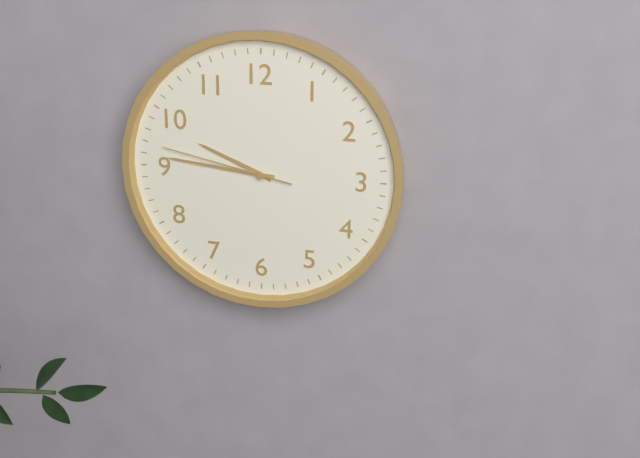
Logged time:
h=9 m=46 s=47
